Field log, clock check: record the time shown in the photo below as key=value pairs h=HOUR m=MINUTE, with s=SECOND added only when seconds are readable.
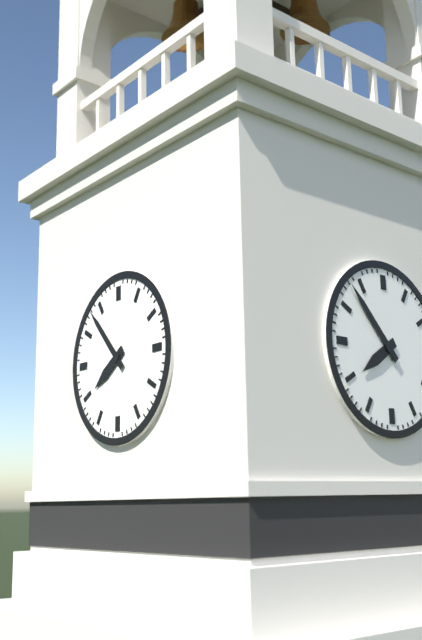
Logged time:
h=7 m=53
